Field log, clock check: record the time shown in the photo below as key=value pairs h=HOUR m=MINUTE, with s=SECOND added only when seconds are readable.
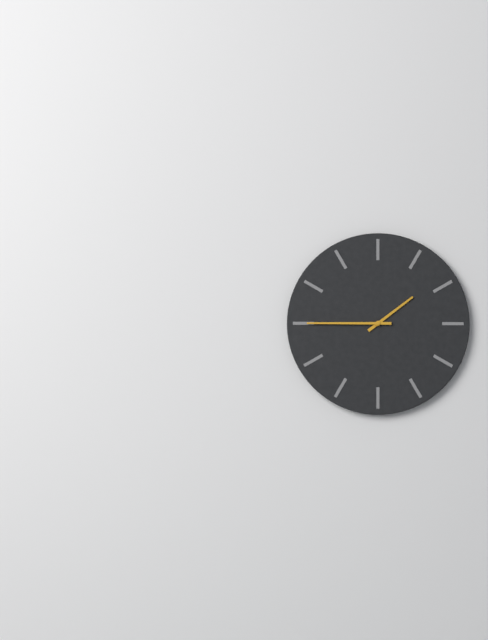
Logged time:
h=1 m=45
